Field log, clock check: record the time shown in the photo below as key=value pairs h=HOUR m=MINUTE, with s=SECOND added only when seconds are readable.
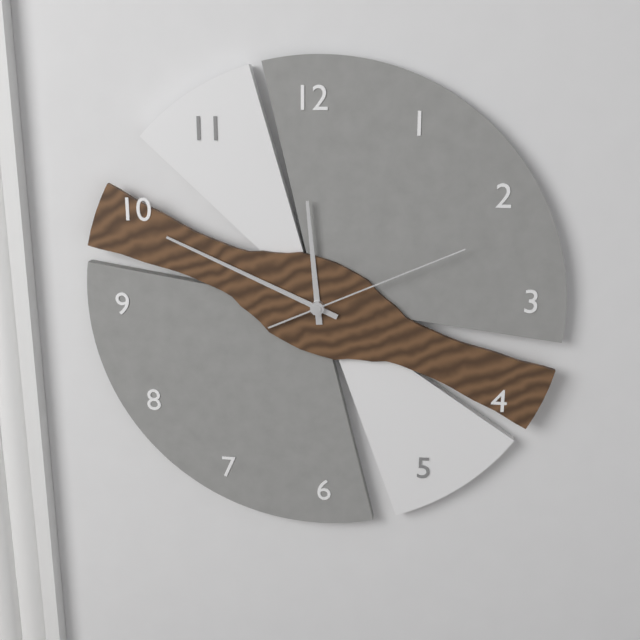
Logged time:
h=11 m=49 s=11
